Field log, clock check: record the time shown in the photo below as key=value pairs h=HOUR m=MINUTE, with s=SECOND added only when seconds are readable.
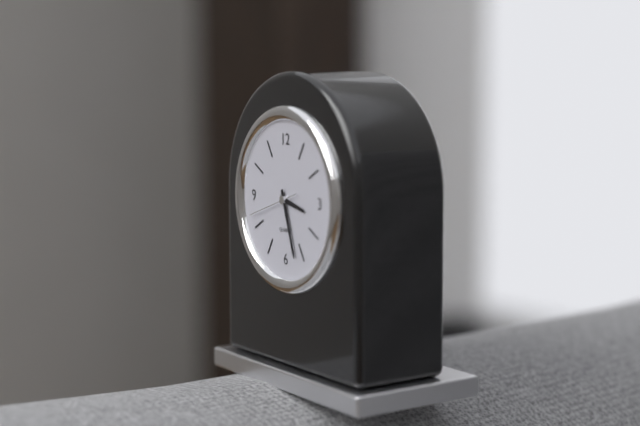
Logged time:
h=3 m=27 s=42
